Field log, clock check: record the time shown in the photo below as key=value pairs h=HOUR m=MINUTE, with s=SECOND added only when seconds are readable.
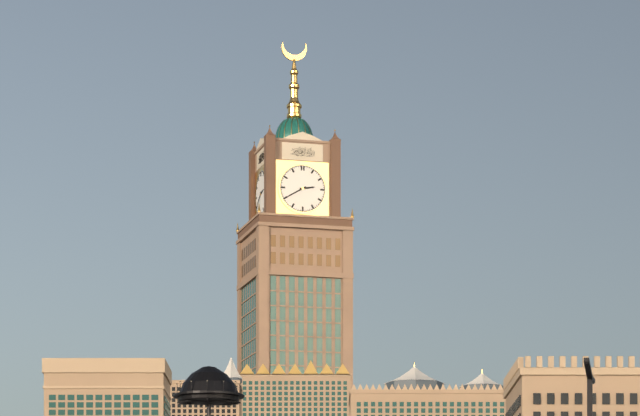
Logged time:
h=2 m=40
